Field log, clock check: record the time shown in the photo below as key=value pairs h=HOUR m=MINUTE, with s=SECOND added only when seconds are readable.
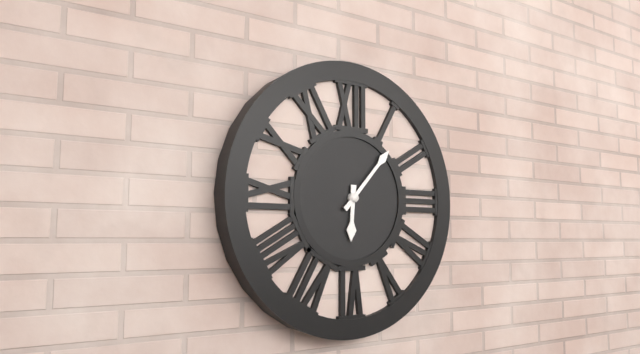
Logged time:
h=6 m=7
